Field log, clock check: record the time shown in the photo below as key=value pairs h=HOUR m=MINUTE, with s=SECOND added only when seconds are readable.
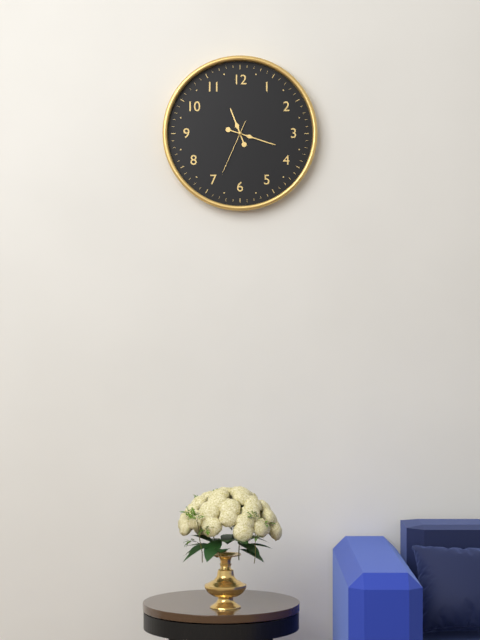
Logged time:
h=11 m=18 s=34
